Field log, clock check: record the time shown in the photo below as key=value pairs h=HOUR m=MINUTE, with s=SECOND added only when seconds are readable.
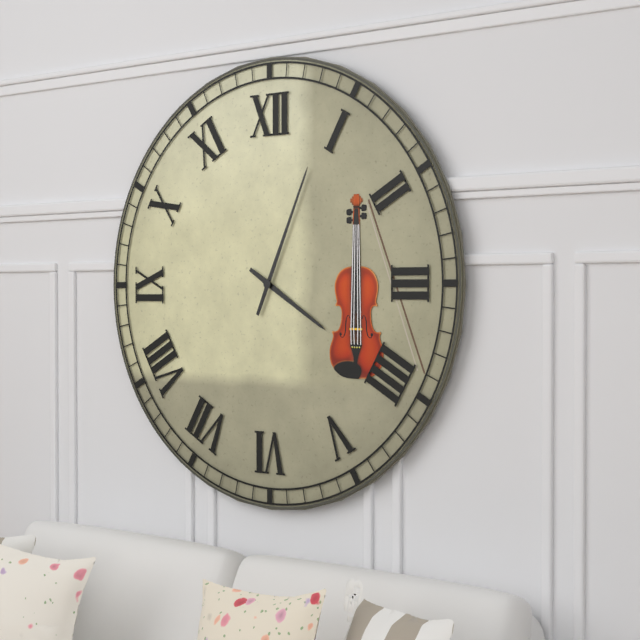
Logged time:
h=4 m=4
